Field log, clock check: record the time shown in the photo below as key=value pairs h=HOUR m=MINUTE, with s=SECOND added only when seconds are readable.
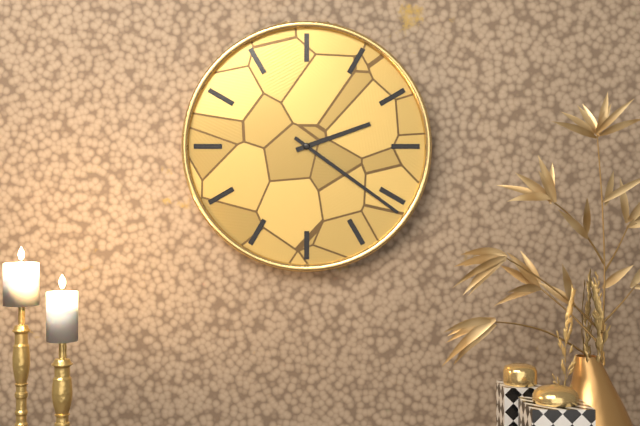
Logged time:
h=2 m=21
